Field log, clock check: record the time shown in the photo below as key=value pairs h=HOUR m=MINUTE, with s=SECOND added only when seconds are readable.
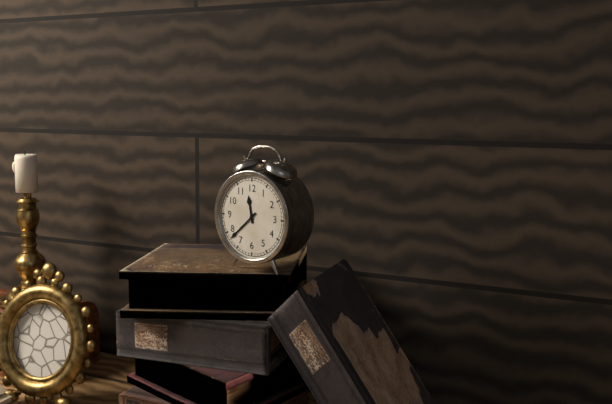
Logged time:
h=11 m=38
